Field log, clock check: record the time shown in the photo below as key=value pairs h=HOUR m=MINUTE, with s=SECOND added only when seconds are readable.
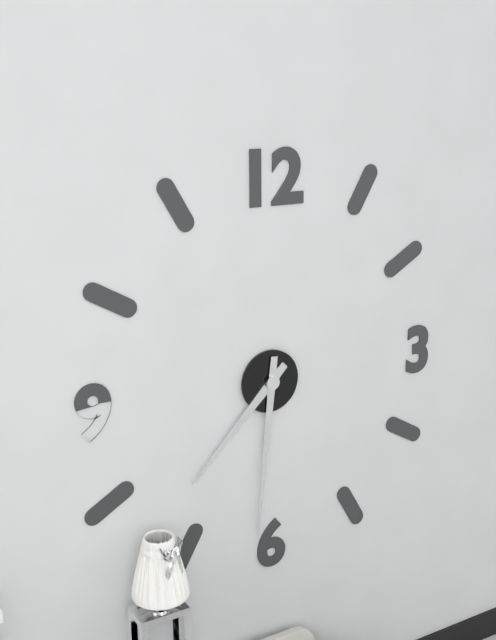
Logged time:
h=7 m=31
